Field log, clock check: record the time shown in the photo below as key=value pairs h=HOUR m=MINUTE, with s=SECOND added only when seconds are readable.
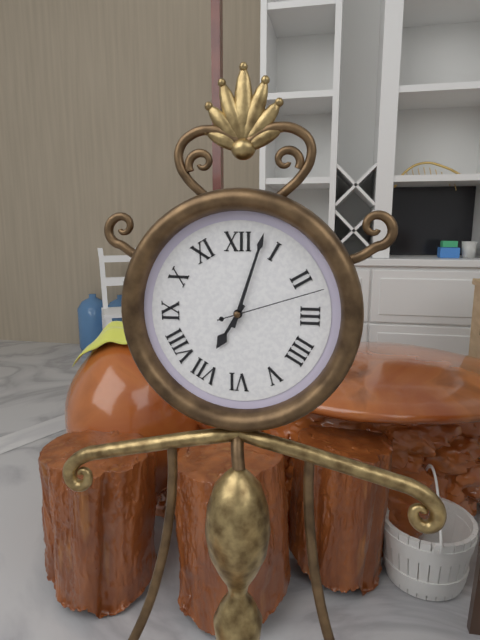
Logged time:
h=7 m=3 s=12
